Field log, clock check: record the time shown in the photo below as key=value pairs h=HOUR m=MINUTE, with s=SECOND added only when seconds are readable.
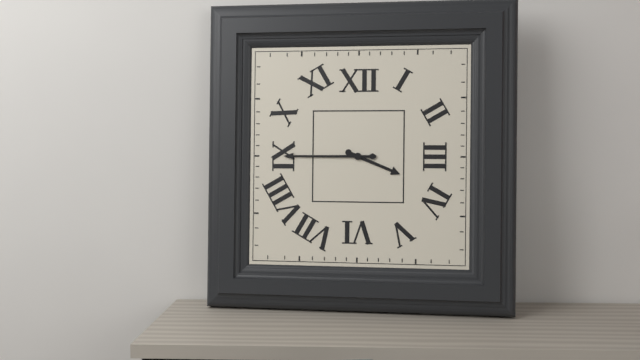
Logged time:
h=3 m=45
